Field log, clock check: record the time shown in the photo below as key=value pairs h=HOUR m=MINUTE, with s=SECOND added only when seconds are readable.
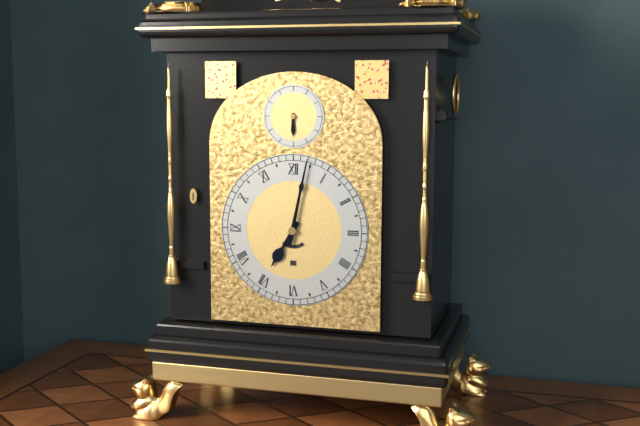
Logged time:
h=7 m=2
